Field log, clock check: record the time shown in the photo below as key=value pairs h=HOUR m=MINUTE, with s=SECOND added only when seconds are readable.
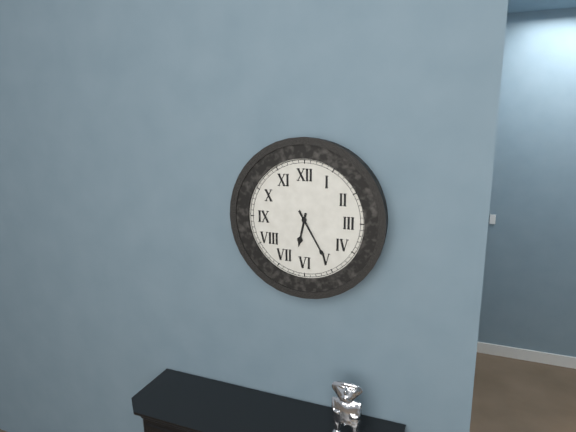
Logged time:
h=6 m=25
